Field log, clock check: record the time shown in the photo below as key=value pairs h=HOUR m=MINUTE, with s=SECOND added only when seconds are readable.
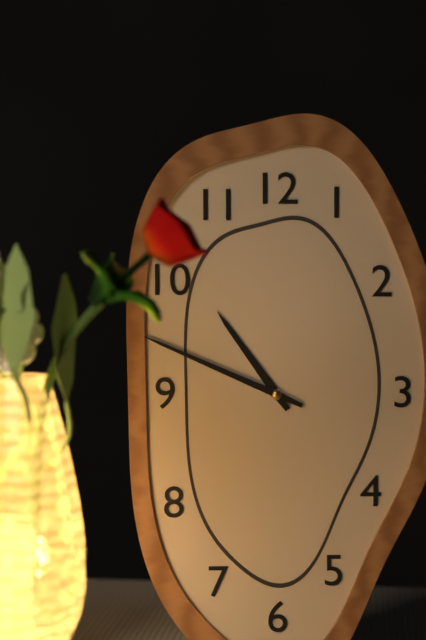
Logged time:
h=10 m=49
